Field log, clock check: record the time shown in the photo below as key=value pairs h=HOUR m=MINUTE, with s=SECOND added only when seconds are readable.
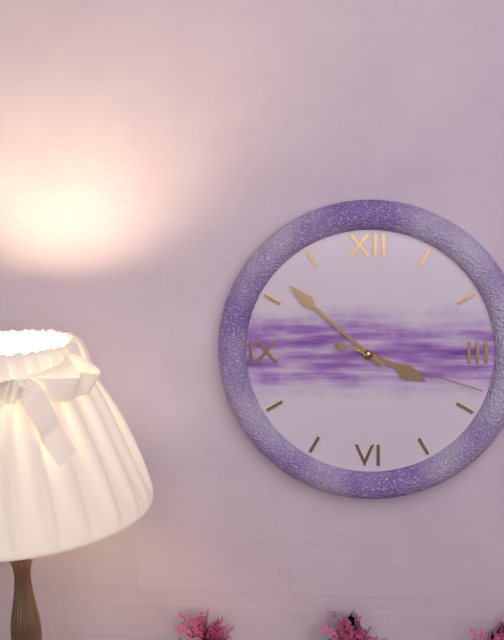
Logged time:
h=3 m=52 s=18
